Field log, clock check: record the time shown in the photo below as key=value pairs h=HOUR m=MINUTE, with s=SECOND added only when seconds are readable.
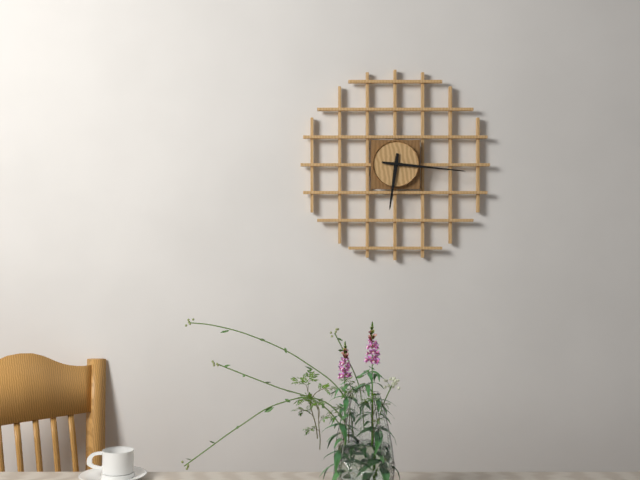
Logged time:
h=6 m=16
